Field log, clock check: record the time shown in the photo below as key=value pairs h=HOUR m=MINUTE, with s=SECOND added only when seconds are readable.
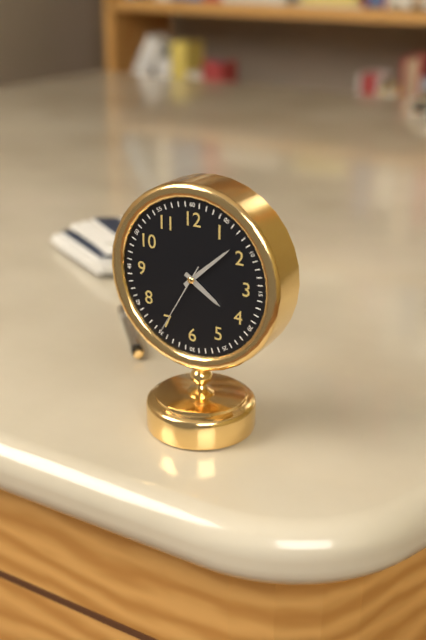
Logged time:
h=4 m=8 s=35
